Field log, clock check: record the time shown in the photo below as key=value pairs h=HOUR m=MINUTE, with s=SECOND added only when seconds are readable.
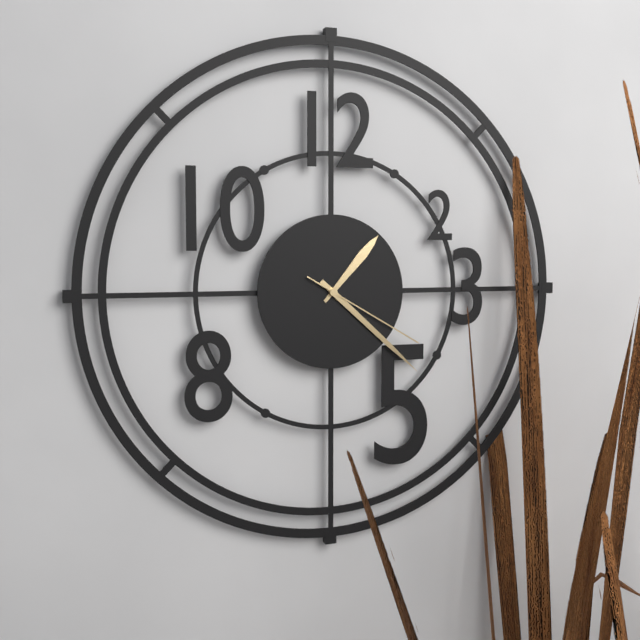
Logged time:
h=1 m=22 s=20
